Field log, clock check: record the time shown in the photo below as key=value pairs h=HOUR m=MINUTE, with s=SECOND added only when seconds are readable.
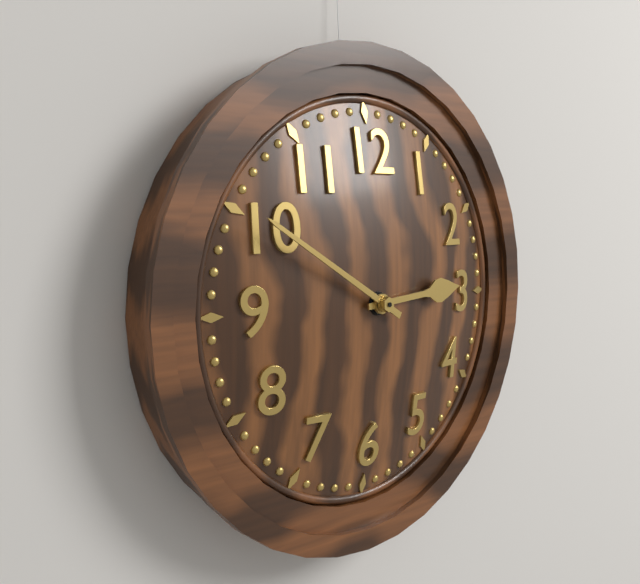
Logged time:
h=2 m=50
